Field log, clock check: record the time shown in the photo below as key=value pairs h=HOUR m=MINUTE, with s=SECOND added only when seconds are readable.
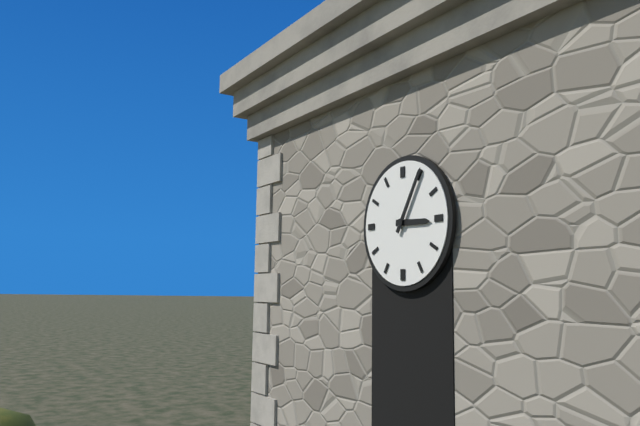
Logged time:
h=3 m=5
